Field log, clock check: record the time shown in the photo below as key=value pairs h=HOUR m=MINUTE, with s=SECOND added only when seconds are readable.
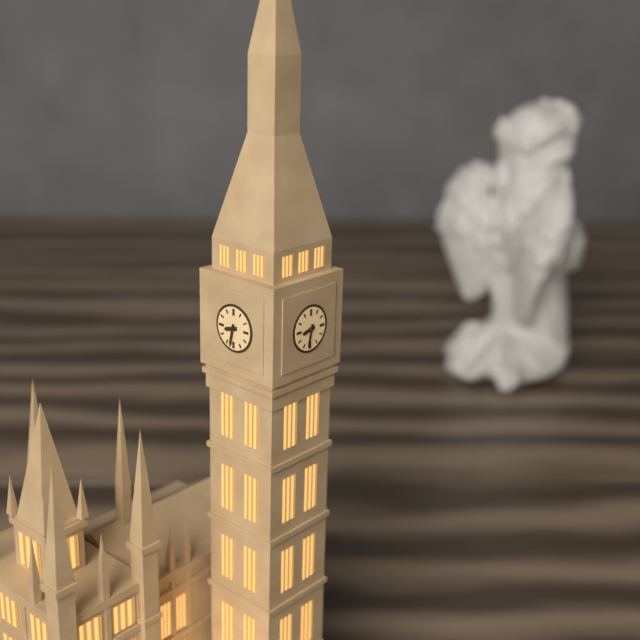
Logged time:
h=8 m=32
